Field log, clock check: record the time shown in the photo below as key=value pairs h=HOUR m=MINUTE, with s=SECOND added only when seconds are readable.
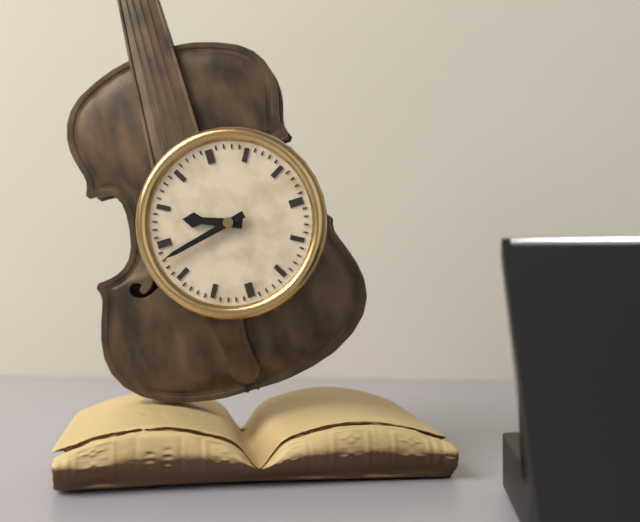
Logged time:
h=9 m=43
